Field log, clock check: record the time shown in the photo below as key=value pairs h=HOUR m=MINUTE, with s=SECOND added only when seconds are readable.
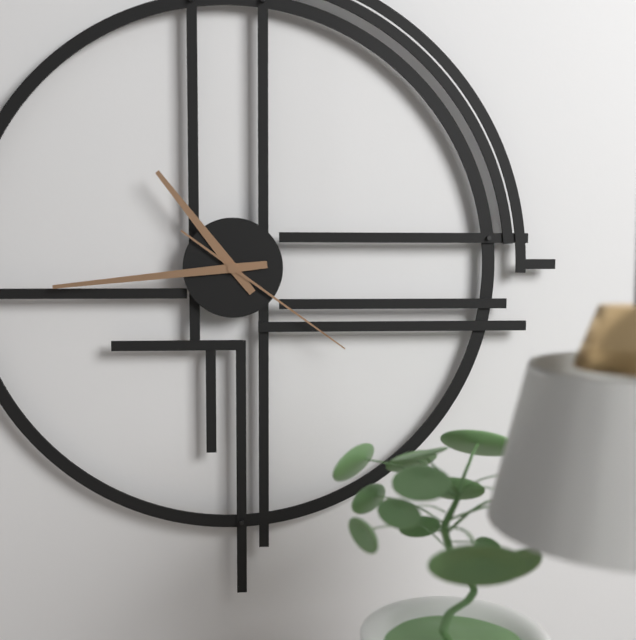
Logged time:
h=10 m=44 s=21
